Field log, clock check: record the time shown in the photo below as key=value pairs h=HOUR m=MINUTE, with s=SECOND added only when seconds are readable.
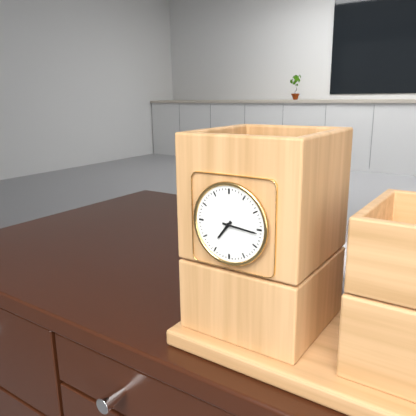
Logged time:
h=7 m=16
